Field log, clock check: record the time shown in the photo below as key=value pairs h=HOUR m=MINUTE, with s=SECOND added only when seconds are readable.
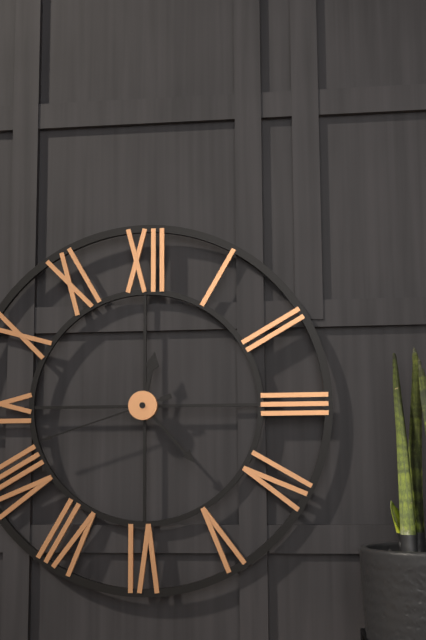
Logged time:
h=12 m=23 s=42
